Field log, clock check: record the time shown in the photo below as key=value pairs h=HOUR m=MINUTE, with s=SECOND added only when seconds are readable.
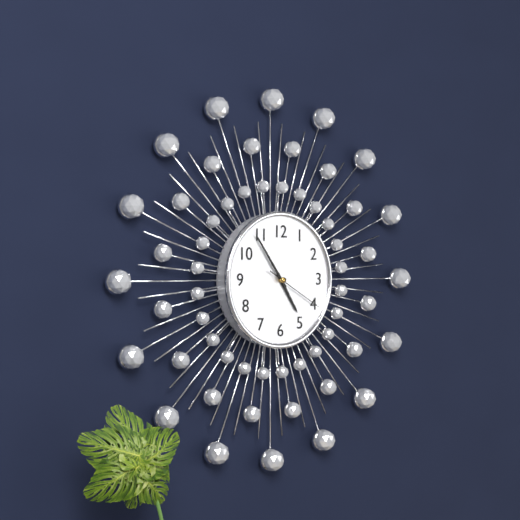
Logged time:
h=4 m=54 s=20
